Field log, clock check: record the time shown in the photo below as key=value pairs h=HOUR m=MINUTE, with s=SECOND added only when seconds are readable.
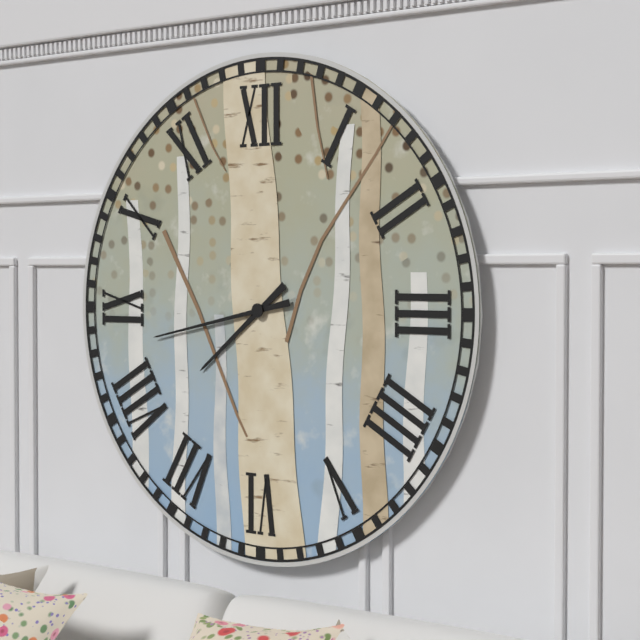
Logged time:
h=7 m=43
